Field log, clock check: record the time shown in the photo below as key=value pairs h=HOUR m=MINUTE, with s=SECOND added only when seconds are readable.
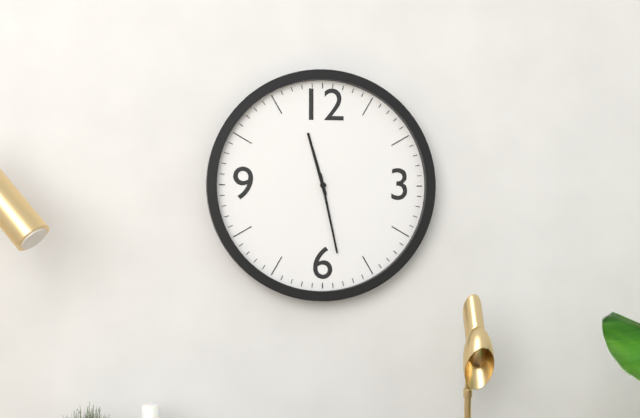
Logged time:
h=11 m=28
